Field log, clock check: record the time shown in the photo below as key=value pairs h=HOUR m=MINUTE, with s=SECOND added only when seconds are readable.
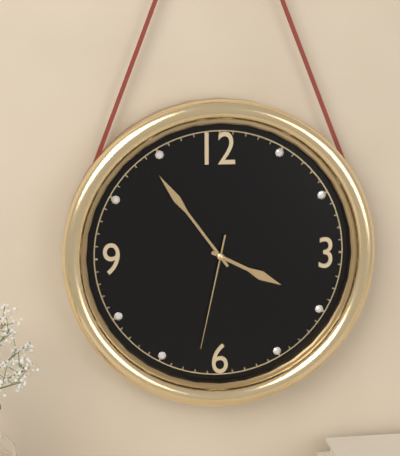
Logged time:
h=3 m=54 s=32
